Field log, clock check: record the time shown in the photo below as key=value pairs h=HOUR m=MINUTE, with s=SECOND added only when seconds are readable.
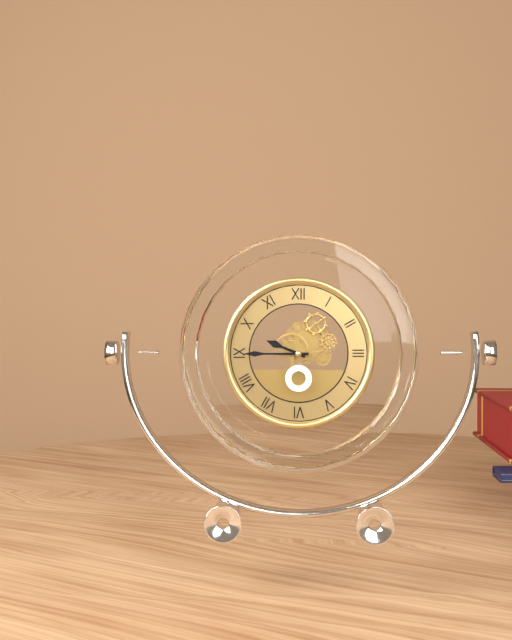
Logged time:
h=9 m=45
